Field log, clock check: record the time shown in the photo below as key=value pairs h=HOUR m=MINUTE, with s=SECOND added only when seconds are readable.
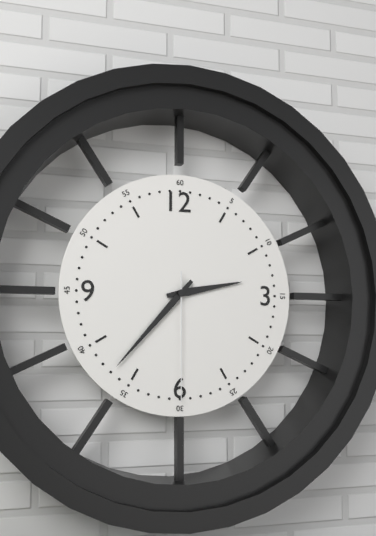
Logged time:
h=2 m=37 s=30
